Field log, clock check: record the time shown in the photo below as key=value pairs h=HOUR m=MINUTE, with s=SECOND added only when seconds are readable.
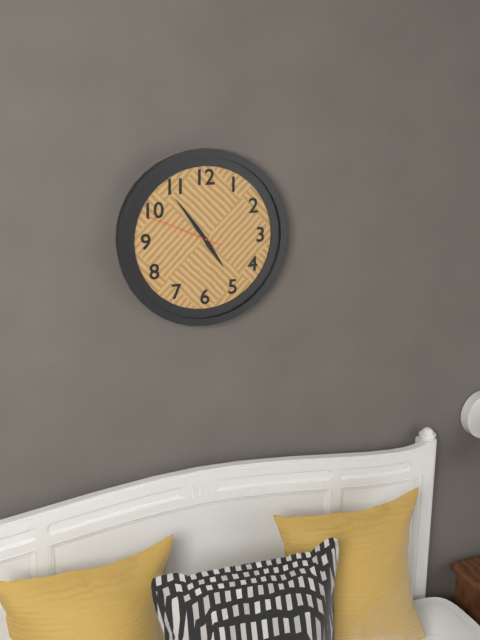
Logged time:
h=4 m=54 s=49
